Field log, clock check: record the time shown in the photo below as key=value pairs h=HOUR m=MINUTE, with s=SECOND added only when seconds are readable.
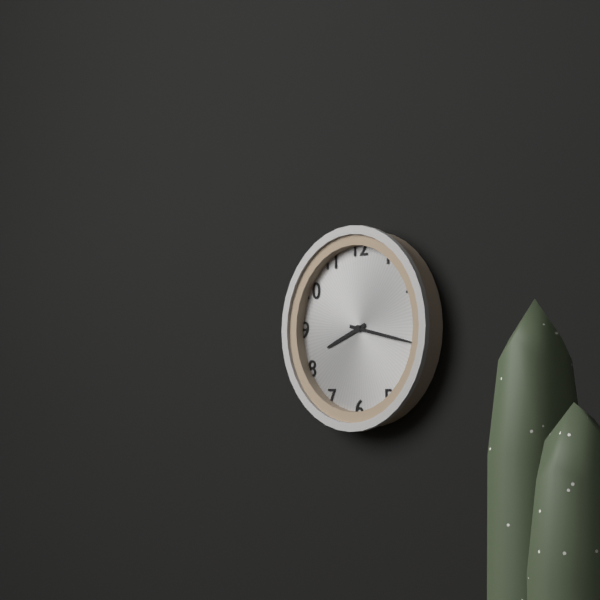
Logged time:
h=8 m=17
